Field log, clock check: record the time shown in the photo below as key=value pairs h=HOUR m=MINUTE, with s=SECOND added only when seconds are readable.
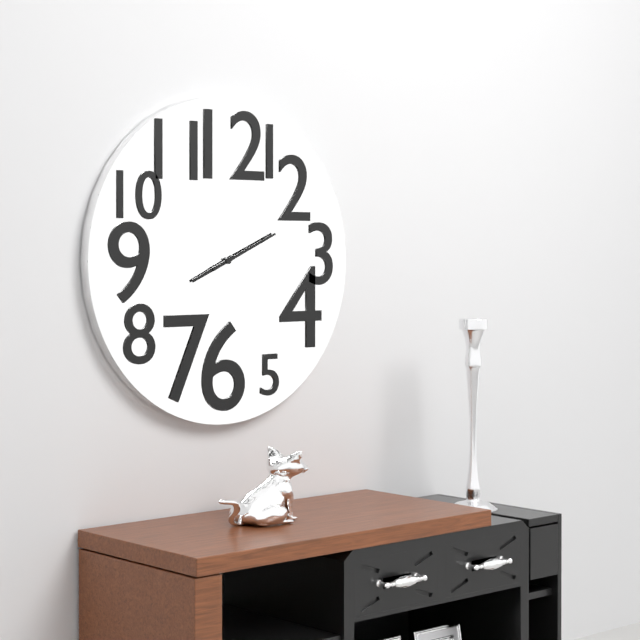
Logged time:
h=8 m=11
